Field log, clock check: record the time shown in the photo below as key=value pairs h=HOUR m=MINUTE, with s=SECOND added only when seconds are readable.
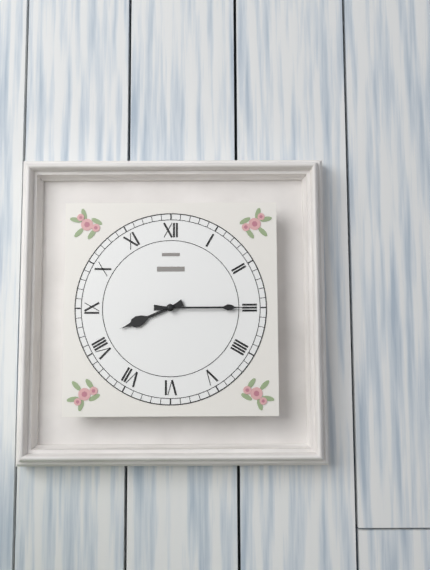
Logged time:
h=8 m=15
